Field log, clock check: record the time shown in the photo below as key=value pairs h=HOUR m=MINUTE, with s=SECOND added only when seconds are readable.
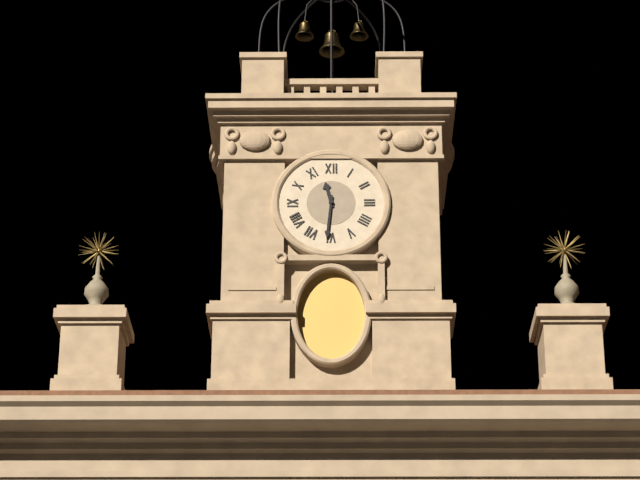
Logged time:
h=11 m=31
